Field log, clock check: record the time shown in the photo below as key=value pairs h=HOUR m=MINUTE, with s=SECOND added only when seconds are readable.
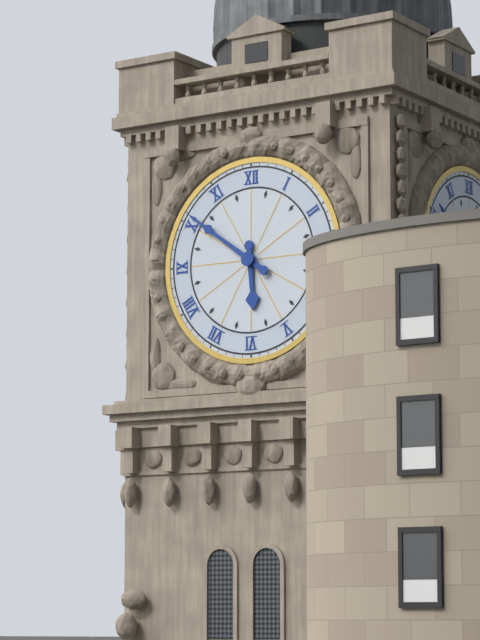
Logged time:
h=5 m=51
